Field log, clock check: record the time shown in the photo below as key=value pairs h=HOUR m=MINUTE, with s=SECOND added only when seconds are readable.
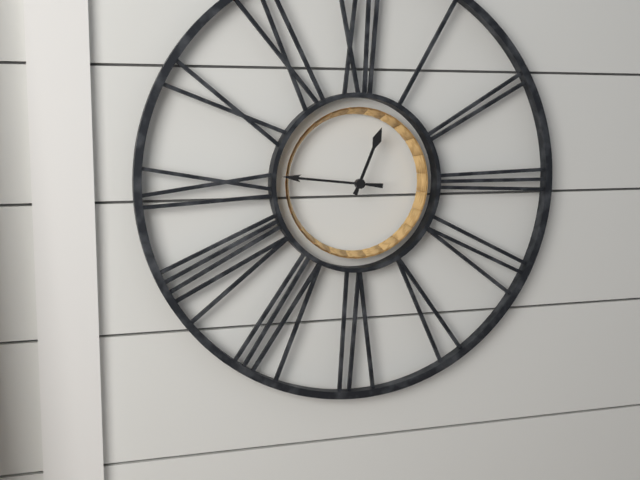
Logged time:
h=12 m=46
